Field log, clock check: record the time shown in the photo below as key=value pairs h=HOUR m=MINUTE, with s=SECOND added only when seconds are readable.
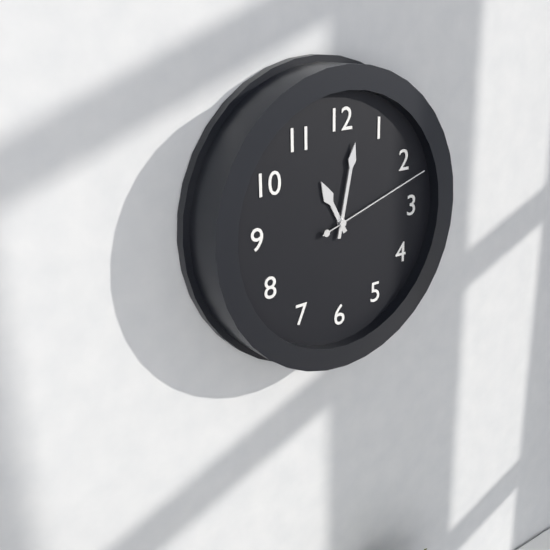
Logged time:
h=11 m=2 s=12
